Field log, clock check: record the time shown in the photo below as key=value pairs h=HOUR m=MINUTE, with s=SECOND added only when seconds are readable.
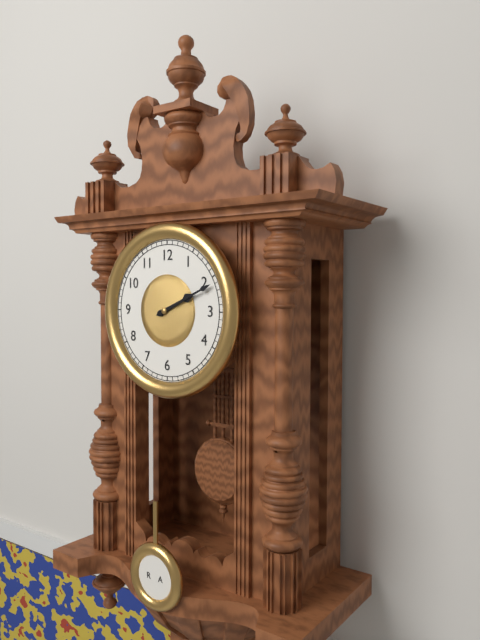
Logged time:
h=2 m=11
